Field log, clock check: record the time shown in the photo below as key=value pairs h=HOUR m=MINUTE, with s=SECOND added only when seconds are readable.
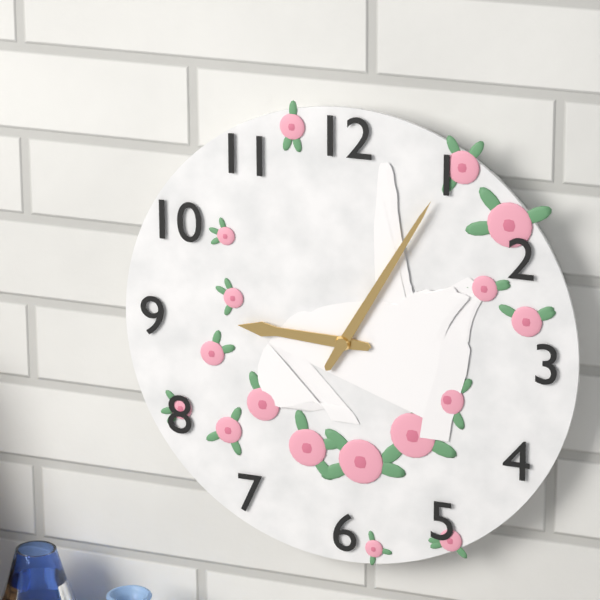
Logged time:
h=9 m=5
